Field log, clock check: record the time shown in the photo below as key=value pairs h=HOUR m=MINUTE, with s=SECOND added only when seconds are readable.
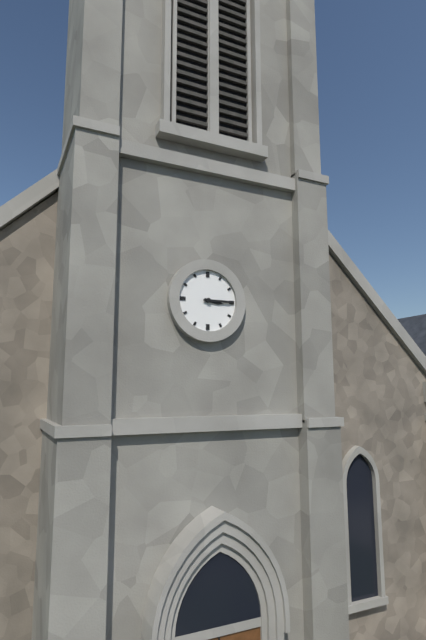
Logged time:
h=3 m=15
